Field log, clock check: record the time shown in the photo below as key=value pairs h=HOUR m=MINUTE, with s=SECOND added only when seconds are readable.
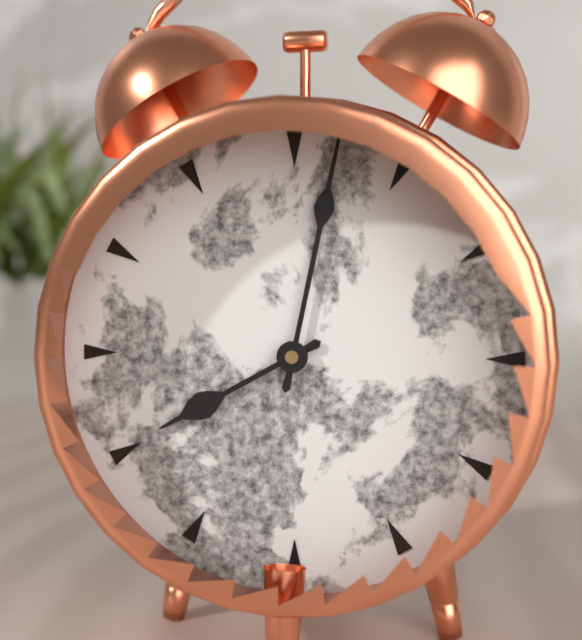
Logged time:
h=8 m=2
